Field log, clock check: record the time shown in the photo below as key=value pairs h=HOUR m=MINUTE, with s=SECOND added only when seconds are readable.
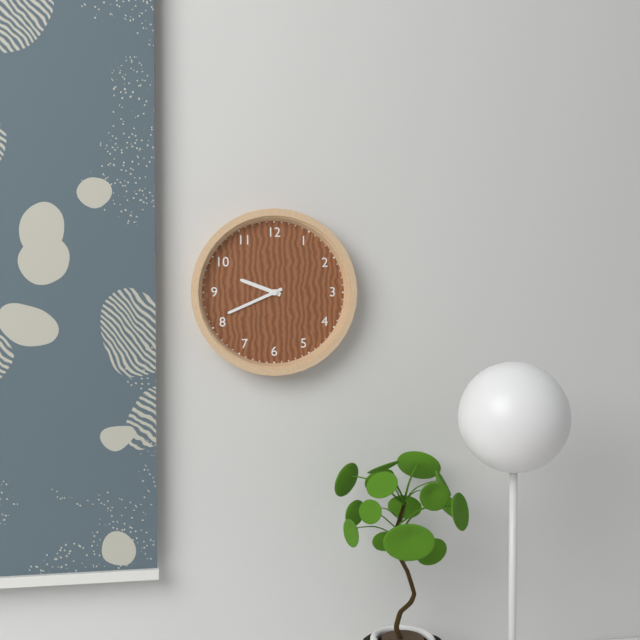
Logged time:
h=9 m=41
